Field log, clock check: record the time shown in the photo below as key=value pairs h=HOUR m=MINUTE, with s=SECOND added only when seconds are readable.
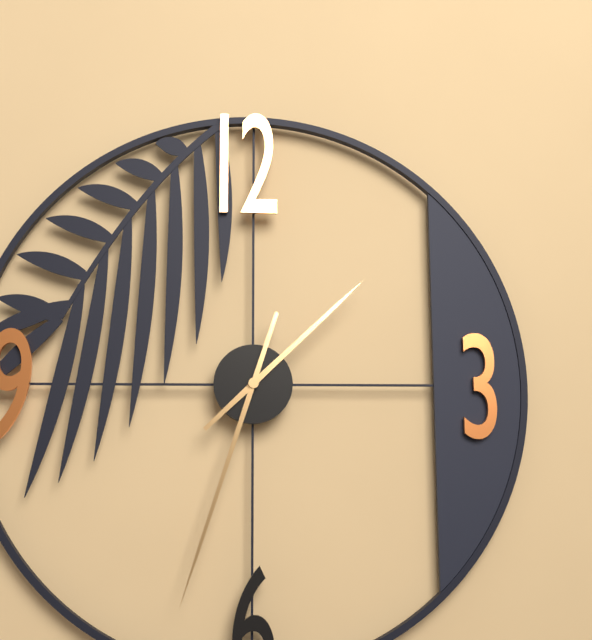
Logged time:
h=1 m=33
